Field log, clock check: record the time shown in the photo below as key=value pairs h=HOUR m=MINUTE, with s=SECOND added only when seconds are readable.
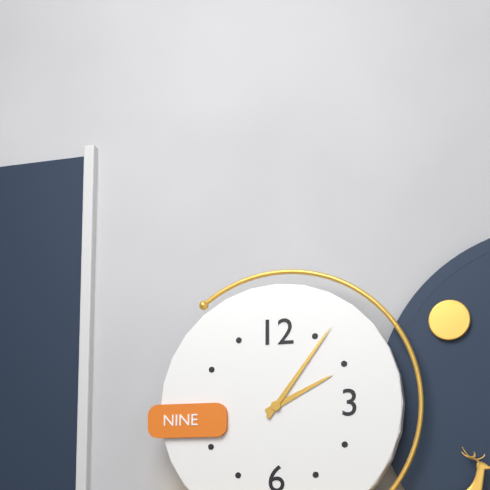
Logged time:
h=2 m=6
